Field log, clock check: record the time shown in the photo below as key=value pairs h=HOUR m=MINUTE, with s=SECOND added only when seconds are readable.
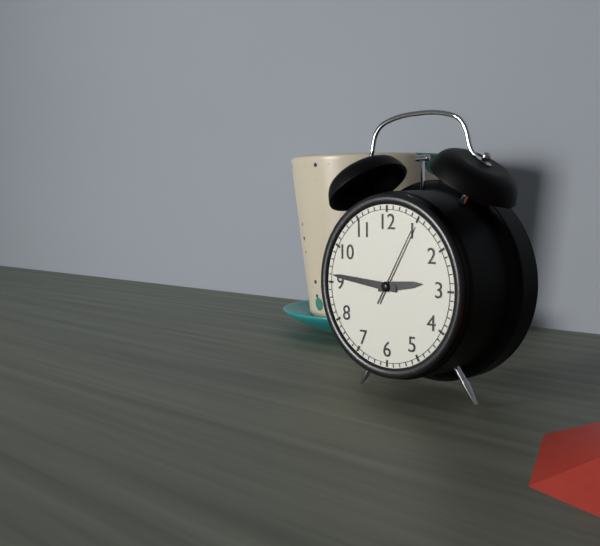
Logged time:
h=2 m=46 s=5
